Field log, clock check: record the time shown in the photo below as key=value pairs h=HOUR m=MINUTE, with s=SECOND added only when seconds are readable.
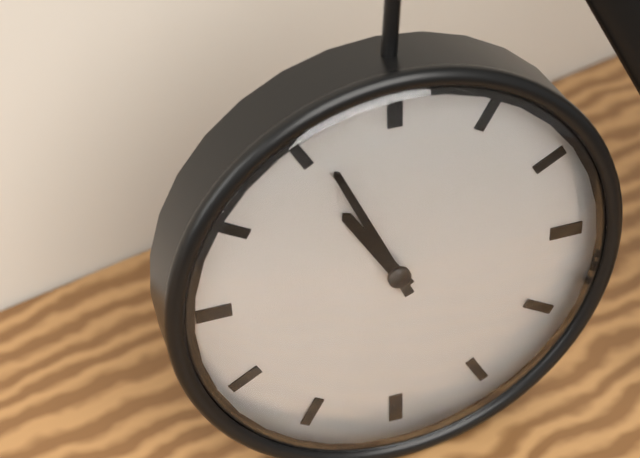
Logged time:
h=10 m=56
